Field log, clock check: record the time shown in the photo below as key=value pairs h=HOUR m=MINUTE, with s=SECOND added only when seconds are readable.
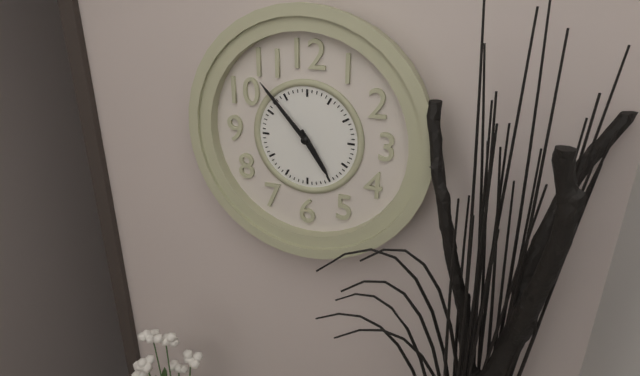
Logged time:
h=4 m=53
